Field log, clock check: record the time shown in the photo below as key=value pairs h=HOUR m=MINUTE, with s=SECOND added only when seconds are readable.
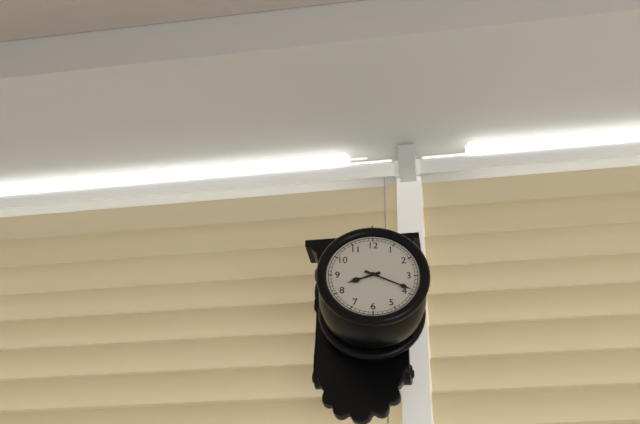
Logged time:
h=8 m=19
